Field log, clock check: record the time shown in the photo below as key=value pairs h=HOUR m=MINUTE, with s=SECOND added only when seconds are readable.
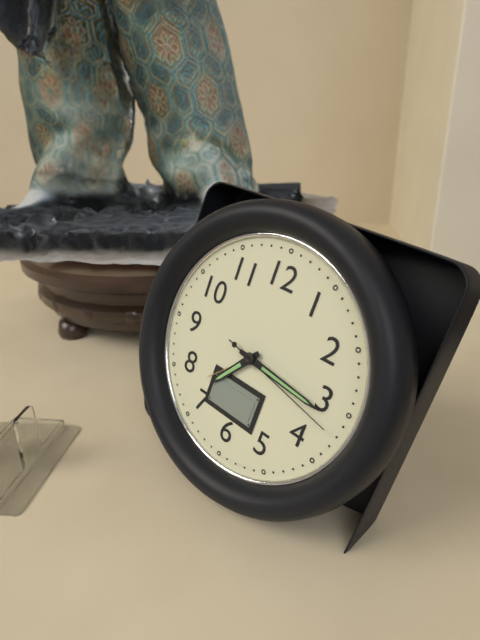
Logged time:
h=7 m=16 s=17
